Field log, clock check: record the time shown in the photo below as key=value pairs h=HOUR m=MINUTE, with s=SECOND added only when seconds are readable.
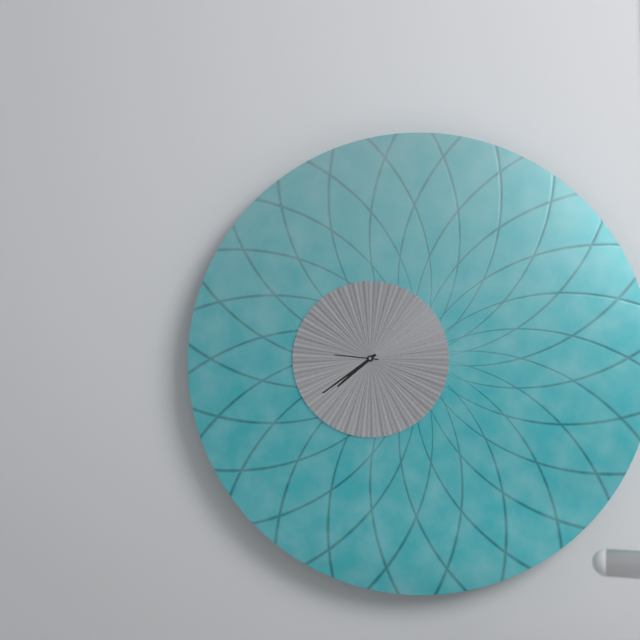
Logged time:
h=7 m=39
